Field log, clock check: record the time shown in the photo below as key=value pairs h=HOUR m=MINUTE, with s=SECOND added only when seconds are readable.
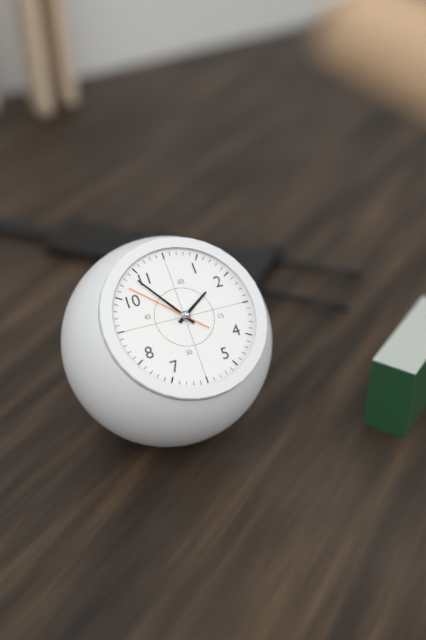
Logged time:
h=1 m=54 s=52
